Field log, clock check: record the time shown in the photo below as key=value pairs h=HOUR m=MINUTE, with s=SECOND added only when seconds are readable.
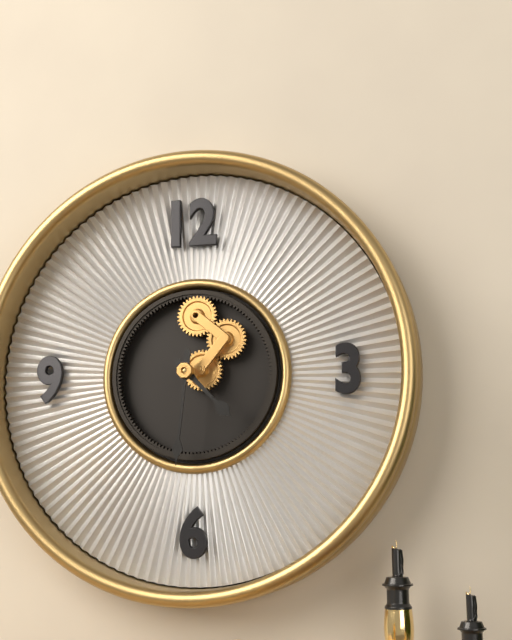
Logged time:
h=4 m=31
